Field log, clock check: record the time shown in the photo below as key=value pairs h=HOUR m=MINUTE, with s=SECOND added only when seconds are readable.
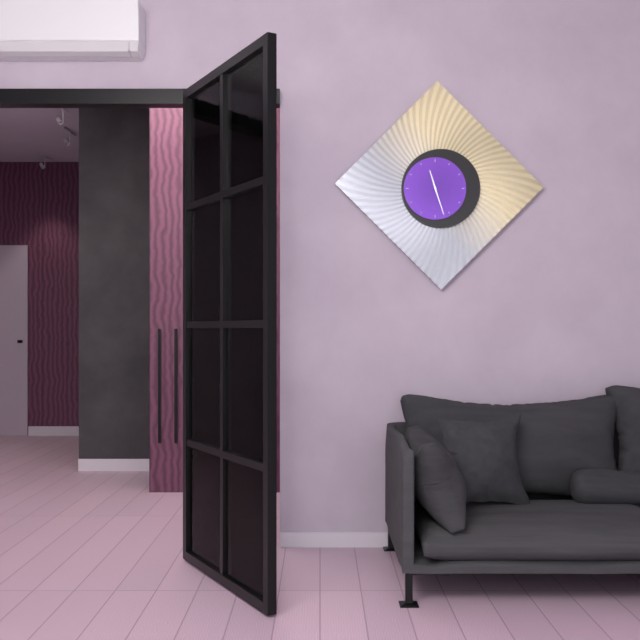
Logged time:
h=11 m=27
